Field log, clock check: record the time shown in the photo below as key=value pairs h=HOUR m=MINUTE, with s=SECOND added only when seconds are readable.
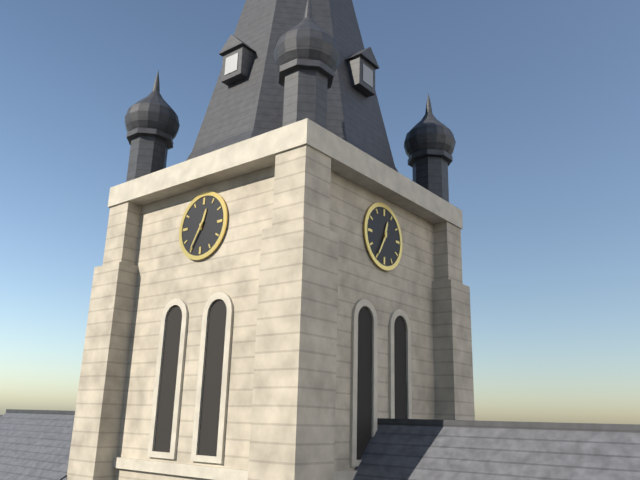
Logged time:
h=12 m=35
